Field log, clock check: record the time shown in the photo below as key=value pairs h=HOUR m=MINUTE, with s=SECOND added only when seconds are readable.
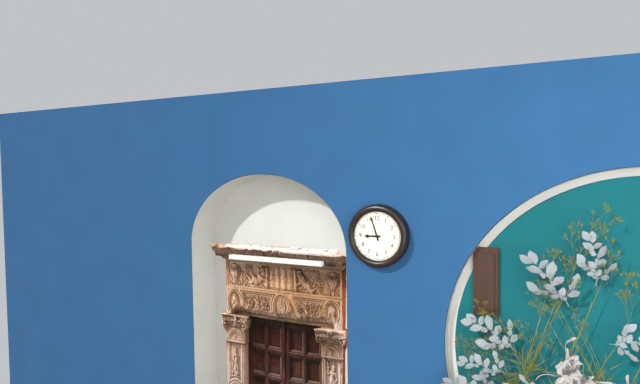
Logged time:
h=8 m=57
